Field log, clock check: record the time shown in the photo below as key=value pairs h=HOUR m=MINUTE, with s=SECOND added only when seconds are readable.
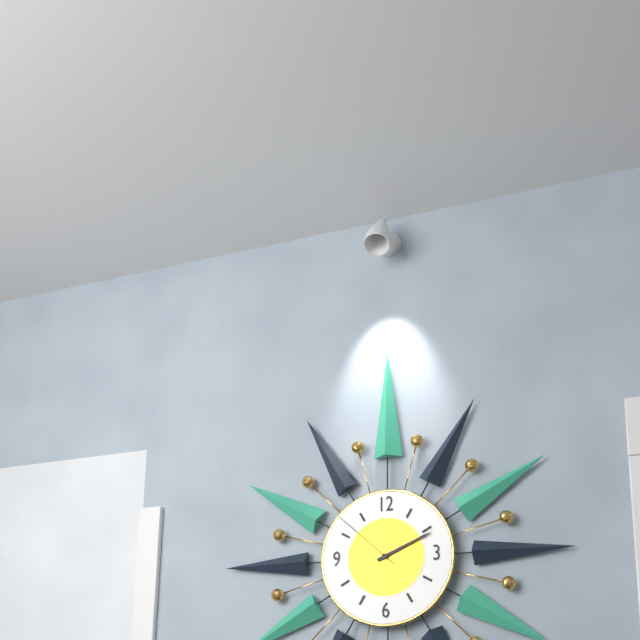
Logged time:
h=2 m=11 s=52
